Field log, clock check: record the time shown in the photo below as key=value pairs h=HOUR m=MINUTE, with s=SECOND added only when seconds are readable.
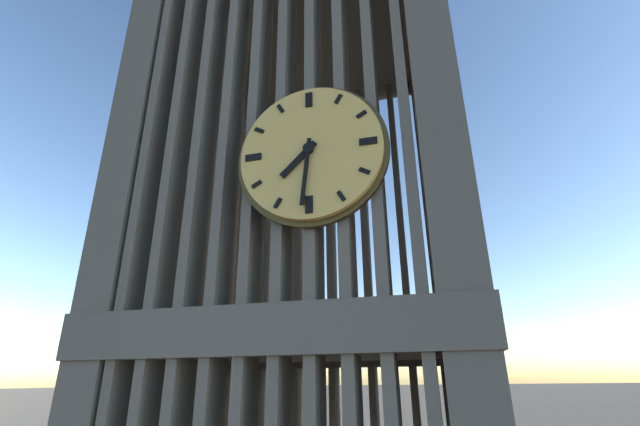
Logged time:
h=7 m=31
